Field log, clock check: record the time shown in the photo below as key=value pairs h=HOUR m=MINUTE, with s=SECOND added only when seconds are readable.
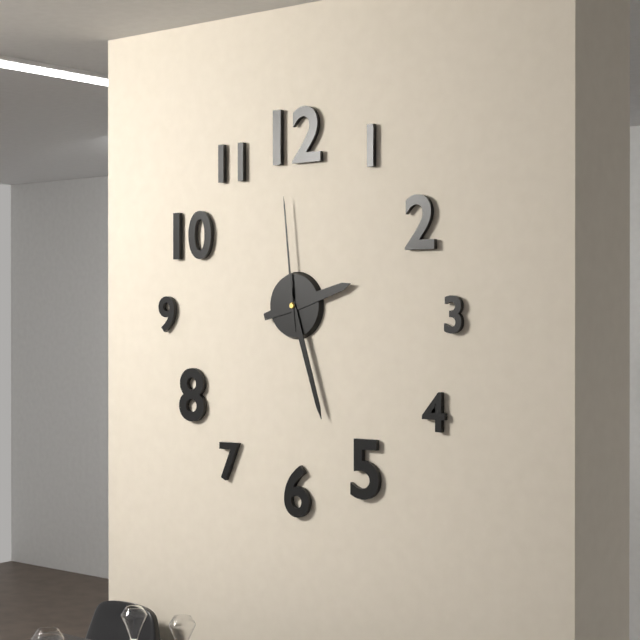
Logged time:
h=2 m=27 s=59
